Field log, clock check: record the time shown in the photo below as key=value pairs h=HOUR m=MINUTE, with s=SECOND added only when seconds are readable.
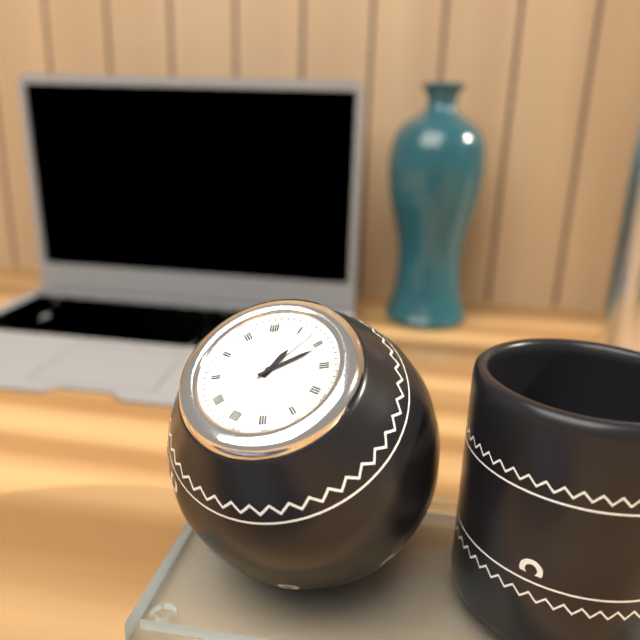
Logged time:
h=1 m=11 s=8
